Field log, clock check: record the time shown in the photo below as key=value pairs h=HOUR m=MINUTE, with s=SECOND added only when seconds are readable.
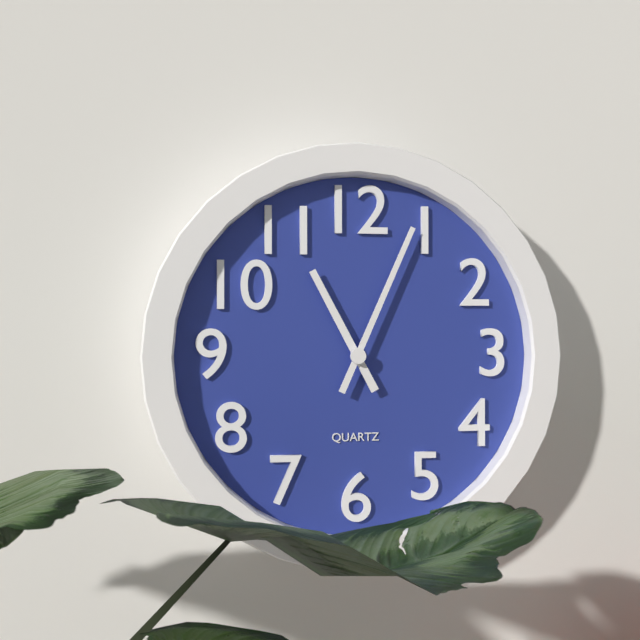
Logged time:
h=11 m=4
